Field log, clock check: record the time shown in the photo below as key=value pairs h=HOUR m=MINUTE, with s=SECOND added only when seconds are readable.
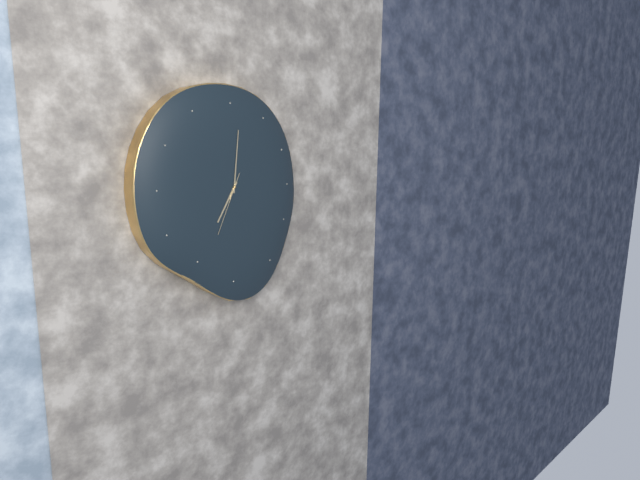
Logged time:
h=7 m=1 s=34
